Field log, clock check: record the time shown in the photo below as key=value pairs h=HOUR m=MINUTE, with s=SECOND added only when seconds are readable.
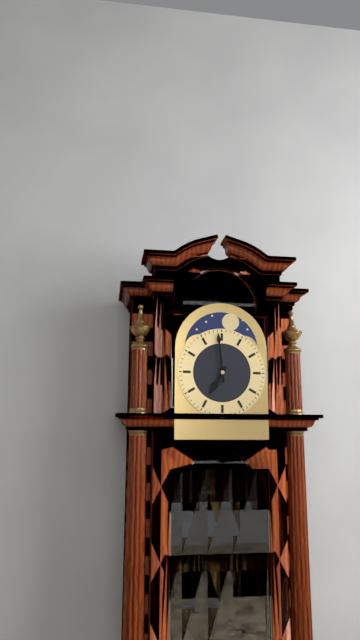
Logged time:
h=6 m=59
